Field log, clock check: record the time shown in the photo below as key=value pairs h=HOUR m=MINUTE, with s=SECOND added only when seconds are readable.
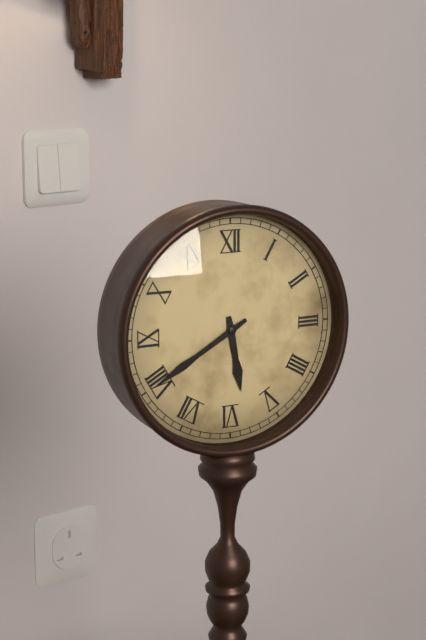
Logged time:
h=5 m=40
